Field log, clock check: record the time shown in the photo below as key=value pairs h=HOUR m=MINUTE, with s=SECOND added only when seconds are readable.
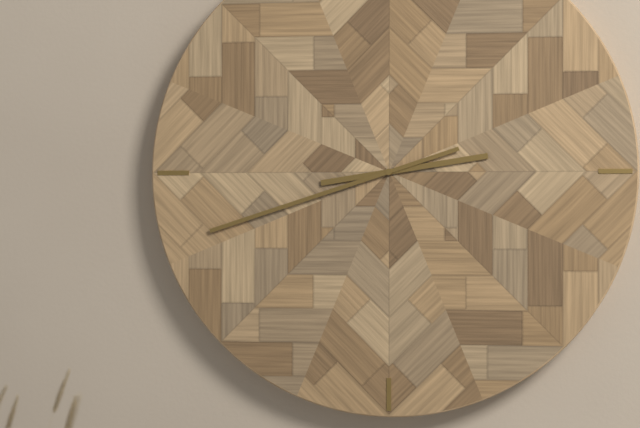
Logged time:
h=2 m=42
